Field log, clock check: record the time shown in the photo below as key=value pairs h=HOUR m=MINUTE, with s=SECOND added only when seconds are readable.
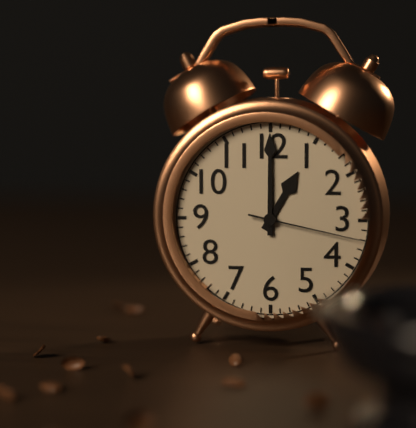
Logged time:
h=1 m=0 s=17
